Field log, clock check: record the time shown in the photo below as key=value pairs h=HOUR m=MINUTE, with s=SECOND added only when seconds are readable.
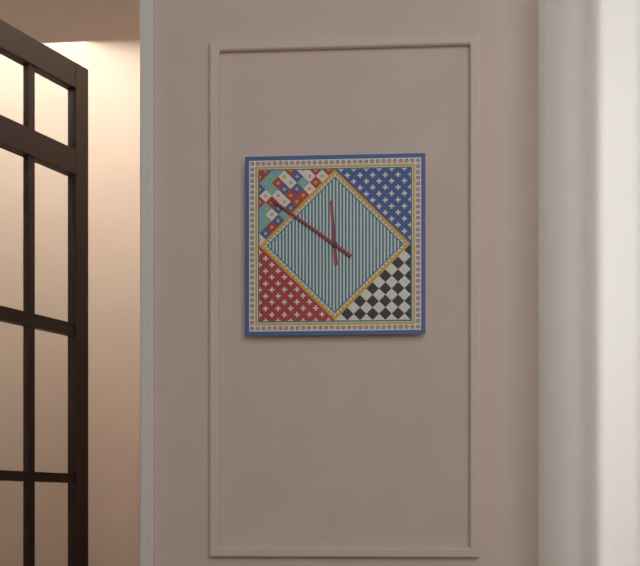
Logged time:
h=11 m=51
